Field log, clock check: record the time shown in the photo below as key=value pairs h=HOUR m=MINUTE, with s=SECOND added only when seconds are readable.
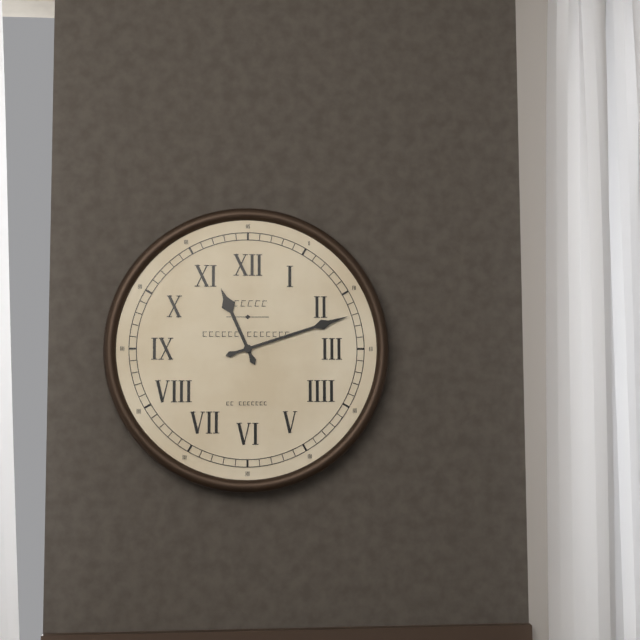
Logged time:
h=11 m=12
